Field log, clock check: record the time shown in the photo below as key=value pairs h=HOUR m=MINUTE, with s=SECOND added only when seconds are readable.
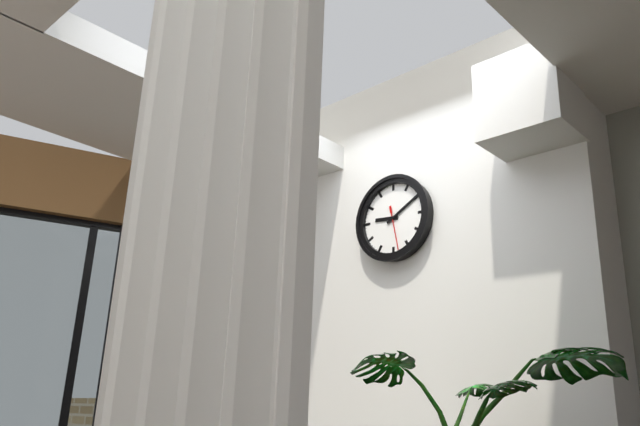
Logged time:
h=9 m=10
